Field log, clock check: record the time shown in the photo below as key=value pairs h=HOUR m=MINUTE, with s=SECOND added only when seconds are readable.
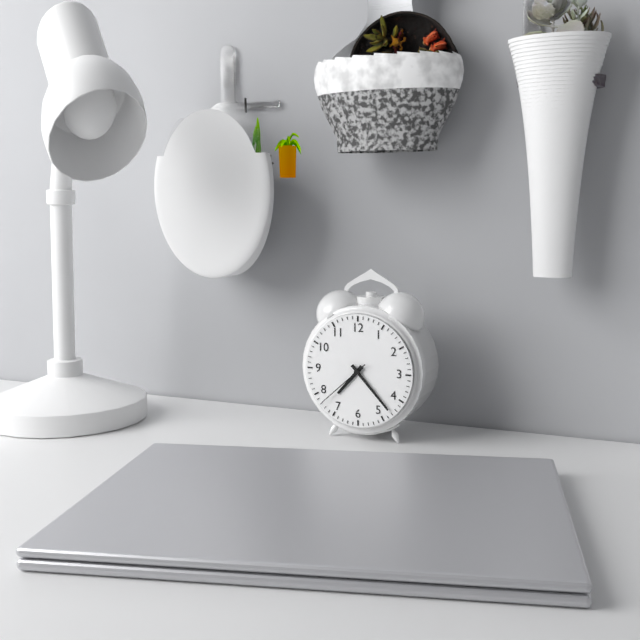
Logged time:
h=7 m=23 s=38
